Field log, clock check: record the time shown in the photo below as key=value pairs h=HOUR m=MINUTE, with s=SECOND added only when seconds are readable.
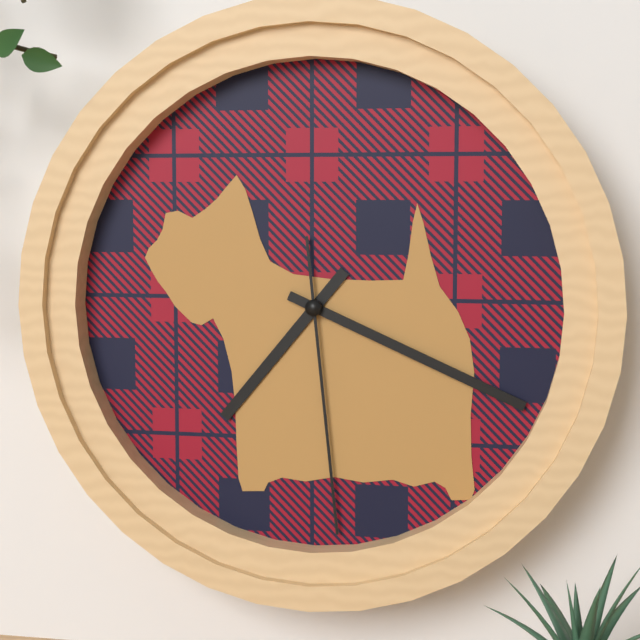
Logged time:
h=7 m=19 s=29
